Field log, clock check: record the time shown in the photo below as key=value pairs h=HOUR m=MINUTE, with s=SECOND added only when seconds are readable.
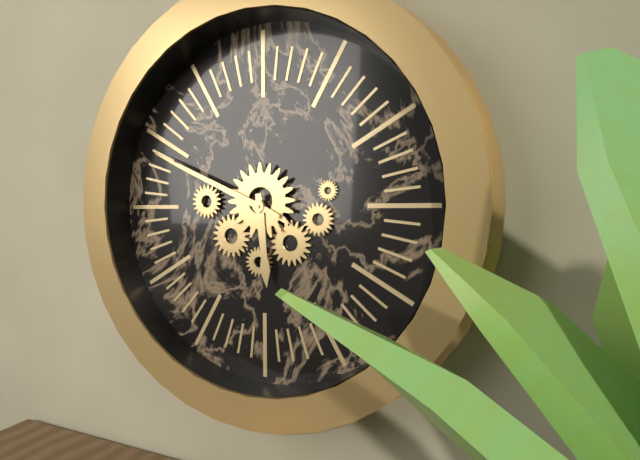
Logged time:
h=5 m=49
